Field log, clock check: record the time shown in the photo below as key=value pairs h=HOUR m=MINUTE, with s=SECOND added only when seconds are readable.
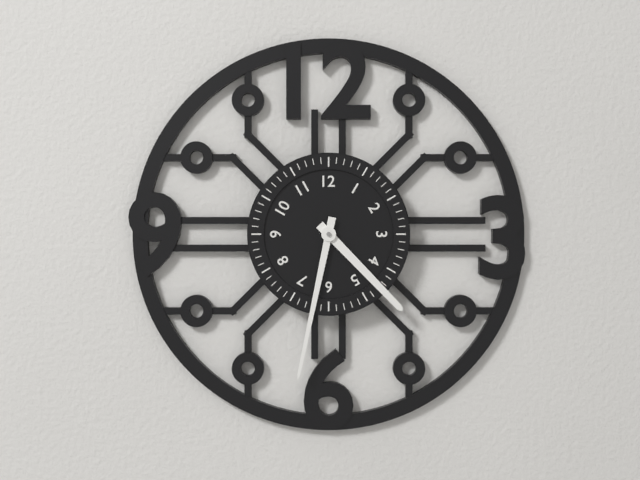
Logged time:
h=4 m=32
